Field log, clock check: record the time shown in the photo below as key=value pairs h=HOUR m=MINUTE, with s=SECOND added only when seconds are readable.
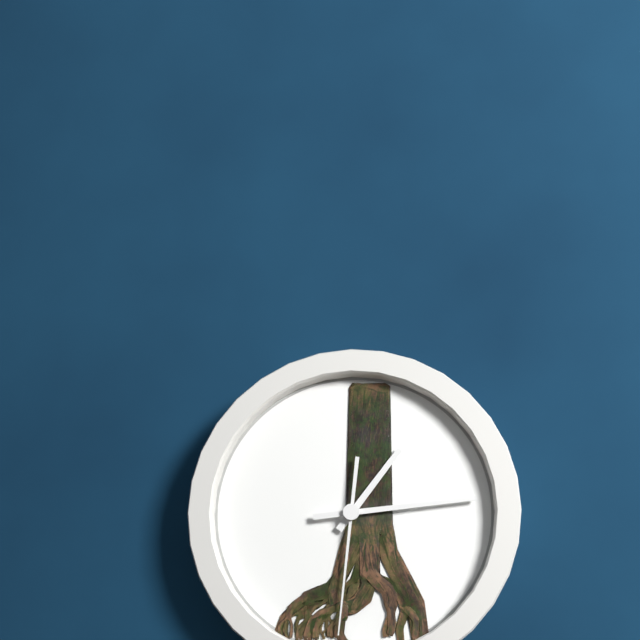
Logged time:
h=1 m=14 s=31
